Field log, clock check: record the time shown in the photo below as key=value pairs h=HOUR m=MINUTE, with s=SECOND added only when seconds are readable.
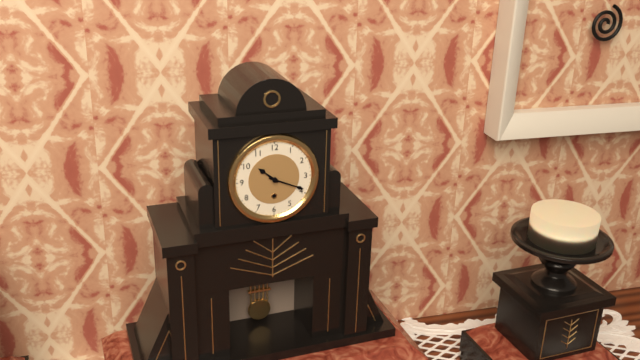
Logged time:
h=10 m=19
